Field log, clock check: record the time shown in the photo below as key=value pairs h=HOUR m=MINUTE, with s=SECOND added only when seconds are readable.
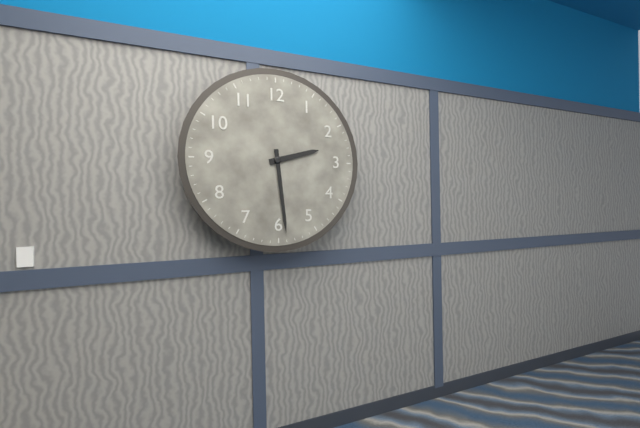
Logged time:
h=2 m=29
